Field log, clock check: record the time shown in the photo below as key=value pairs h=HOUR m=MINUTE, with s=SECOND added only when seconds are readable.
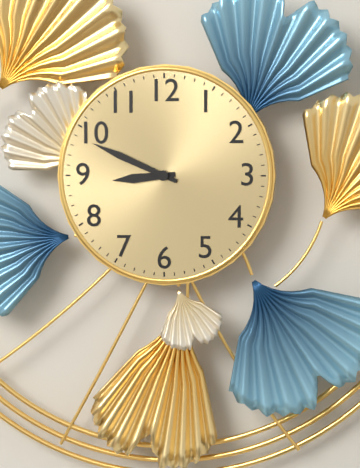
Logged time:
h=8 m=49
